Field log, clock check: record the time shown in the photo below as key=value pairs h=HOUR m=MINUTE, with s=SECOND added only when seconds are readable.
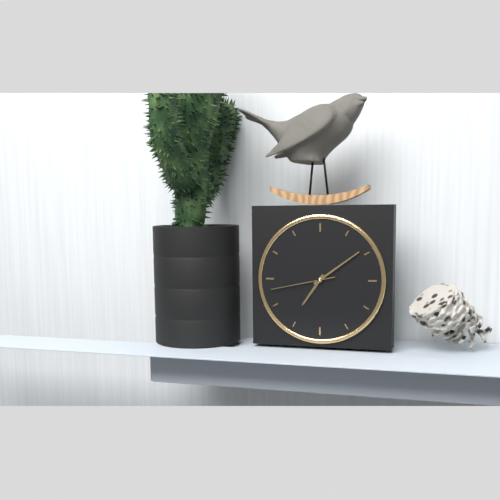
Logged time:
h=7 m=9 s=43
